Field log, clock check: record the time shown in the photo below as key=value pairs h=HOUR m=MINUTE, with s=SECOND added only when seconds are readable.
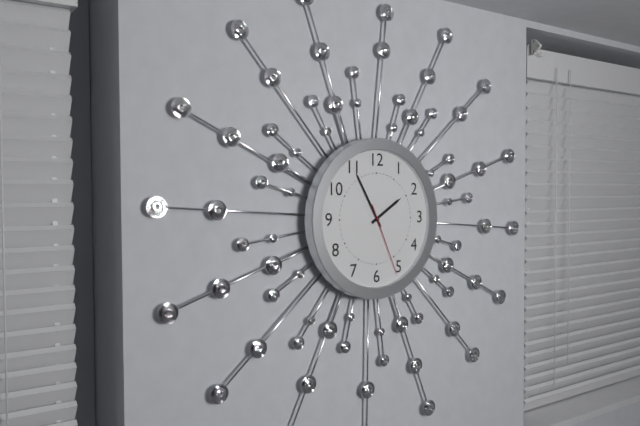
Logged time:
h=1 m=55 s=26
